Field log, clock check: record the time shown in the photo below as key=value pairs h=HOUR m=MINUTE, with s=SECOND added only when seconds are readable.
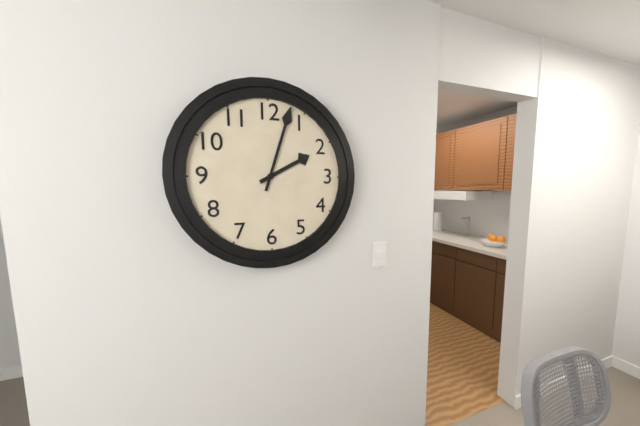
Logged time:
h=2 m=3
